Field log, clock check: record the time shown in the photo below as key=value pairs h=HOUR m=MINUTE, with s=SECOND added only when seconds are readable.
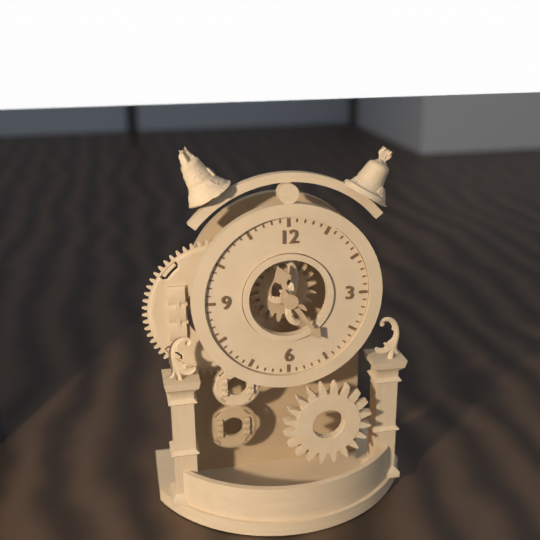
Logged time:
h=11 m=24
